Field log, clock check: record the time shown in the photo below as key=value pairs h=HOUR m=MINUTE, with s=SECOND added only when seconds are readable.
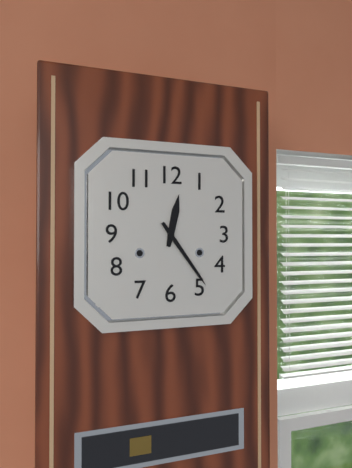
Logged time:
h=12 m=24
